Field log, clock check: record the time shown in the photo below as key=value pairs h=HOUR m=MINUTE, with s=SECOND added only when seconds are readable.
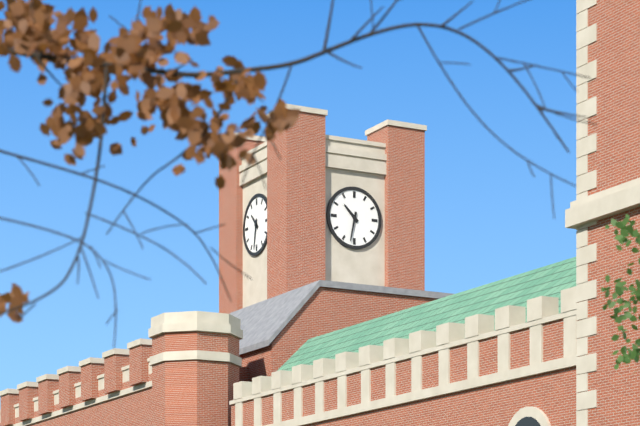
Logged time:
h=10 m=32
